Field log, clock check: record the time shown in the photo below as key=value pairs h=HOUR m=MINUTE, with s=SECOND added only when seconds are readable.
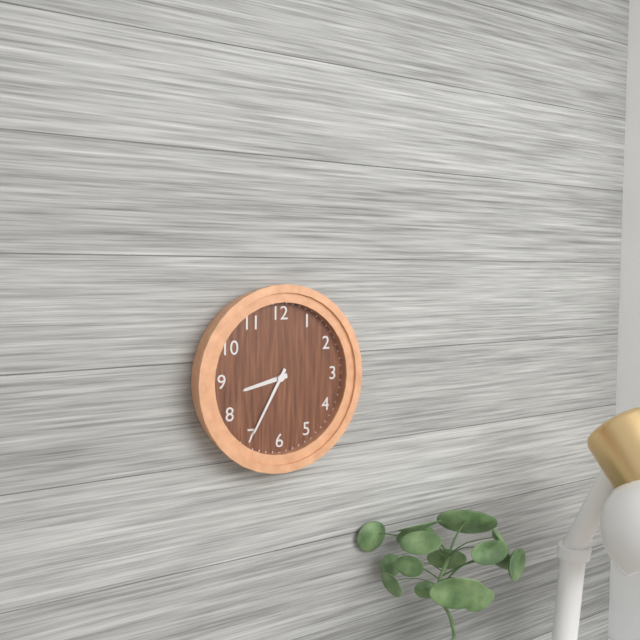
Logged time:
h=8 m=35
